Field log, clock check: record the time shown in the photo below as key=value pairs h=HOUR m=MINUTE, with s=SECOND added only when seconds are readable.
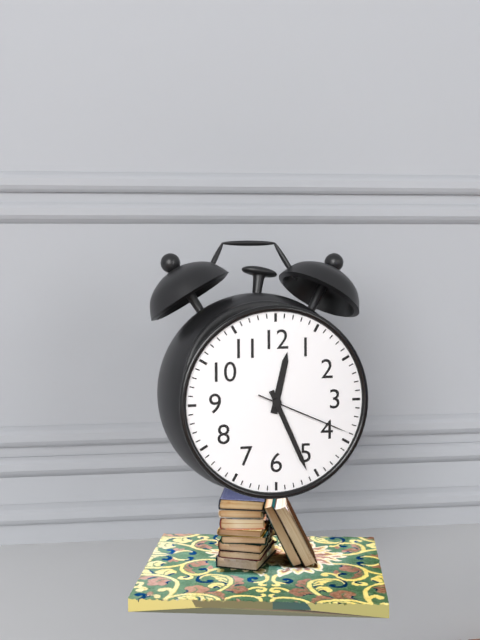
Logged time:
h=12 m=26 s=19
